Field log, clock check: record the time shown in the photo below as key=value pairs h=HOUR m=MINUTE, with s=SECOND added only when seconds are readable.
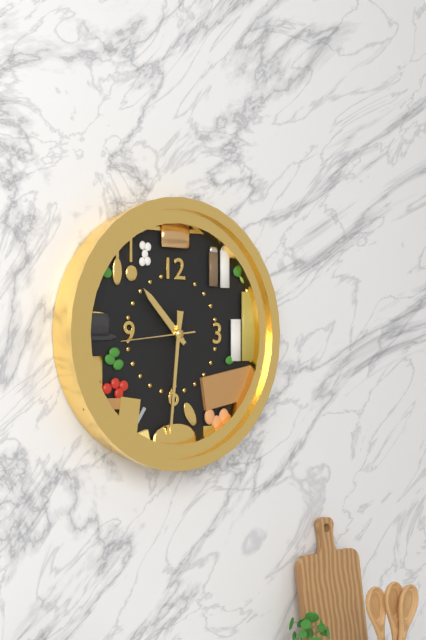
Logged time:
h=10 m=31 s=44
